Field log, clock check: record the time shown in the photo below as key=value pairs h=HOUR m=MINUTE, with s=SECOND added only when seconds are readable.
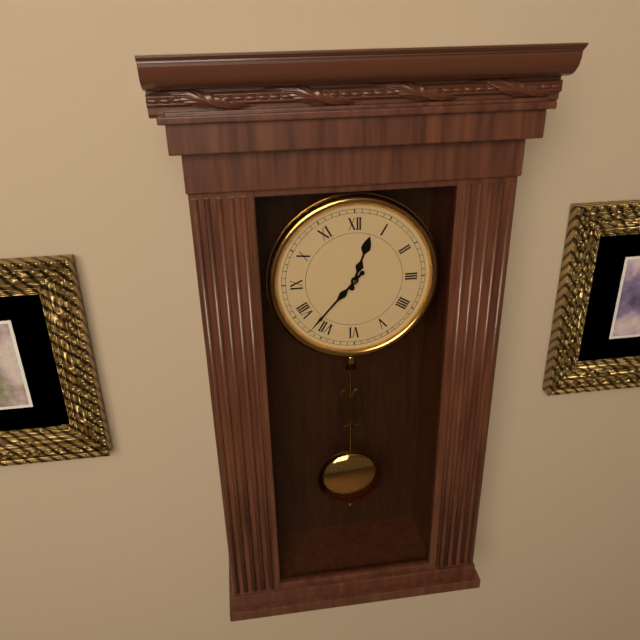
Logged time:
h=12 m=37
